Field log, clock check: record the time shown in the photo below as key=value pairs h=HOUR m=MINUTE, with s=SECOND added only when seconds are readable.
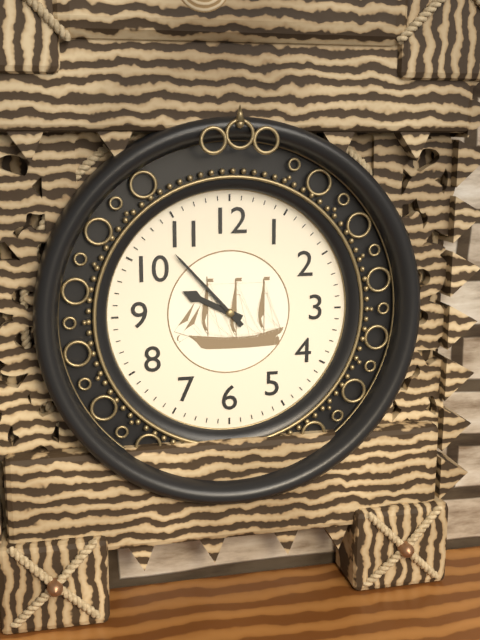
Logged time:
h=9 m=53
